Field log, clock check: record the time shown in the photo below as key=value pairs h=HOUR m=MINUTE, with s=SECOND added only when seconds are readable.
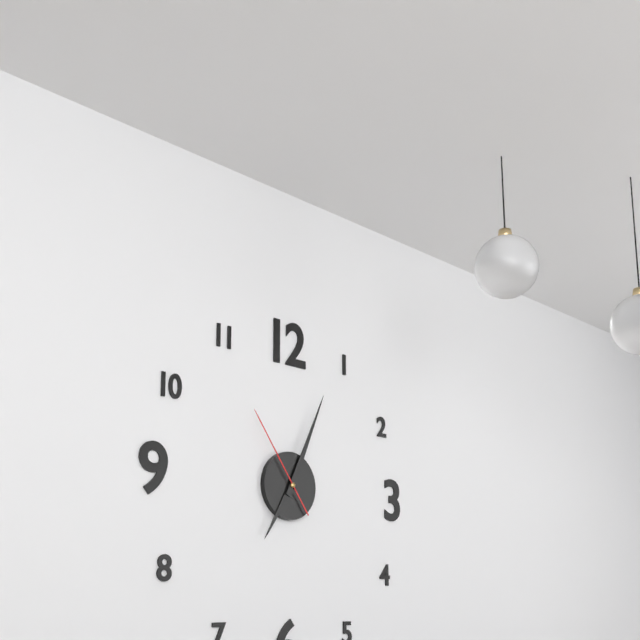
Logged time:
h=7 m=4 s=54
